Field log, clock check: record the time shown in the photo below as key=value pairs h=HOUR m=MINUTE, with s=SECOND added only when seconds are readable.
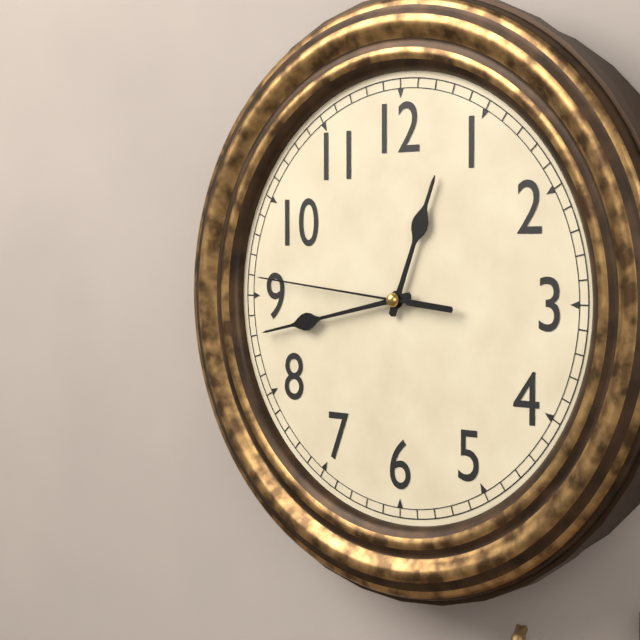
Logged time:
h=12 m=43 s=46
